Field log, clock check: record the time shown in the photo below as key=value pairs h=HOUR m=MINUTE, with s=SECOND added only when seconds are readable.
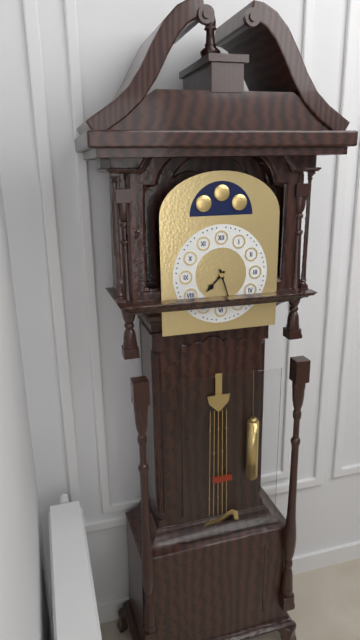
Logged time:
h=7 m=27
